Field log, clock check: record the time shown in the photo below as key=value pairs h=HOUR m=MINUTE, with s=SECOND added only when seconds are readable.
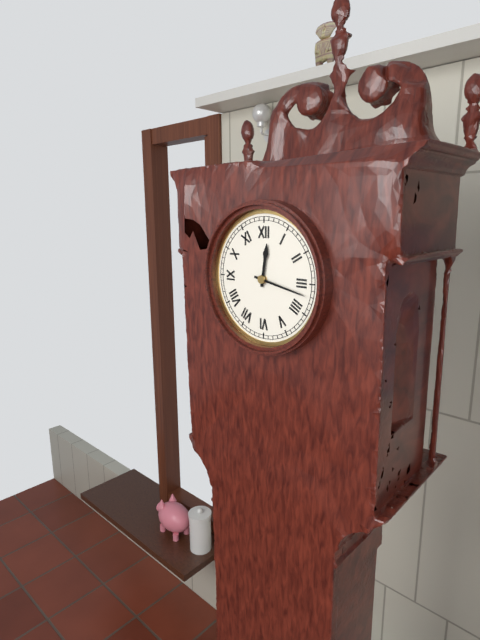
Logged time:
h=12 m=17
